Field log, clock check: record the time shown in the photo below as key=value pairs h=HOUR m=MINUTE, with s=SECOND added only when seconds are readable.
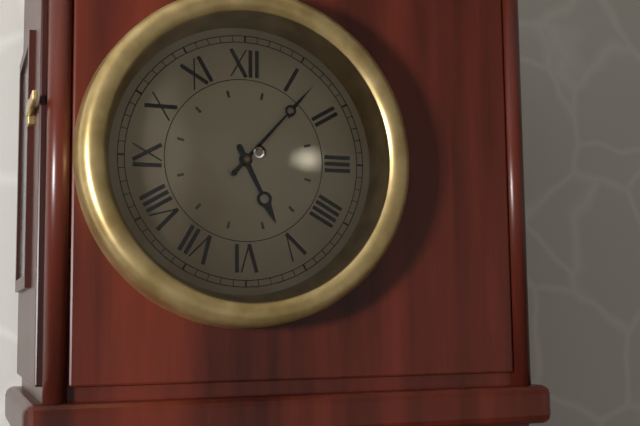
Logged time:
h=5 m=7
